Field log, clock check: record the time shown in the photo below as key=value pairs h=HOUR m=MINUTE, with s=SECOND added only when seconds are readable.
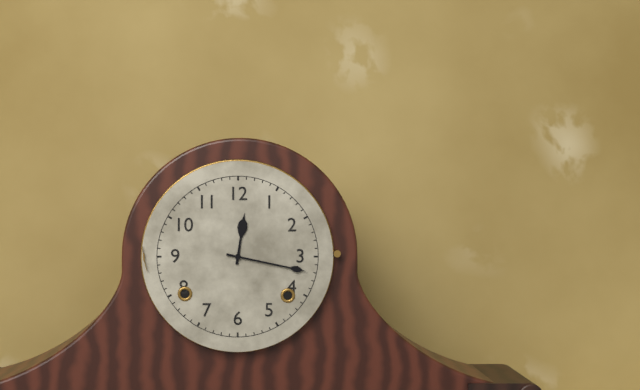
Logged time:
h=12 m=17
